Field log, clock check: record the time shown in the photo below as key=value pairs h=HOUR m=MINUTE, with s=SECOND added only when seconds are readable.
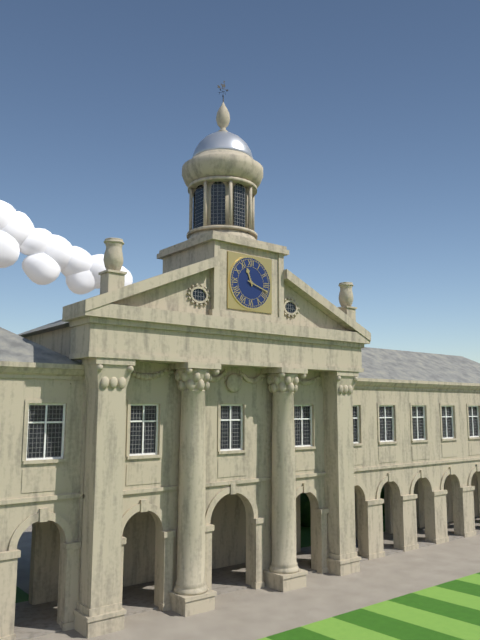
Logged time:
h=11 m=18
